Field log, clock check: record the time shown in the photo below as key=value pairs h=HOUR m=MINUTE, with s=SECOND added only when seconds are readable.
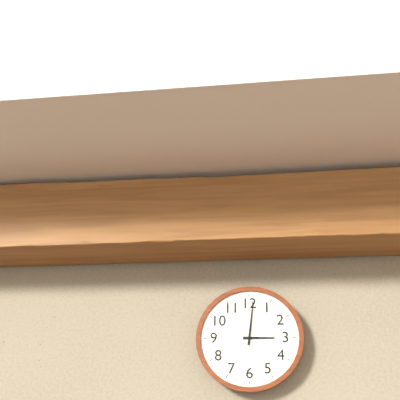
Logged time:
h=3 m=1
